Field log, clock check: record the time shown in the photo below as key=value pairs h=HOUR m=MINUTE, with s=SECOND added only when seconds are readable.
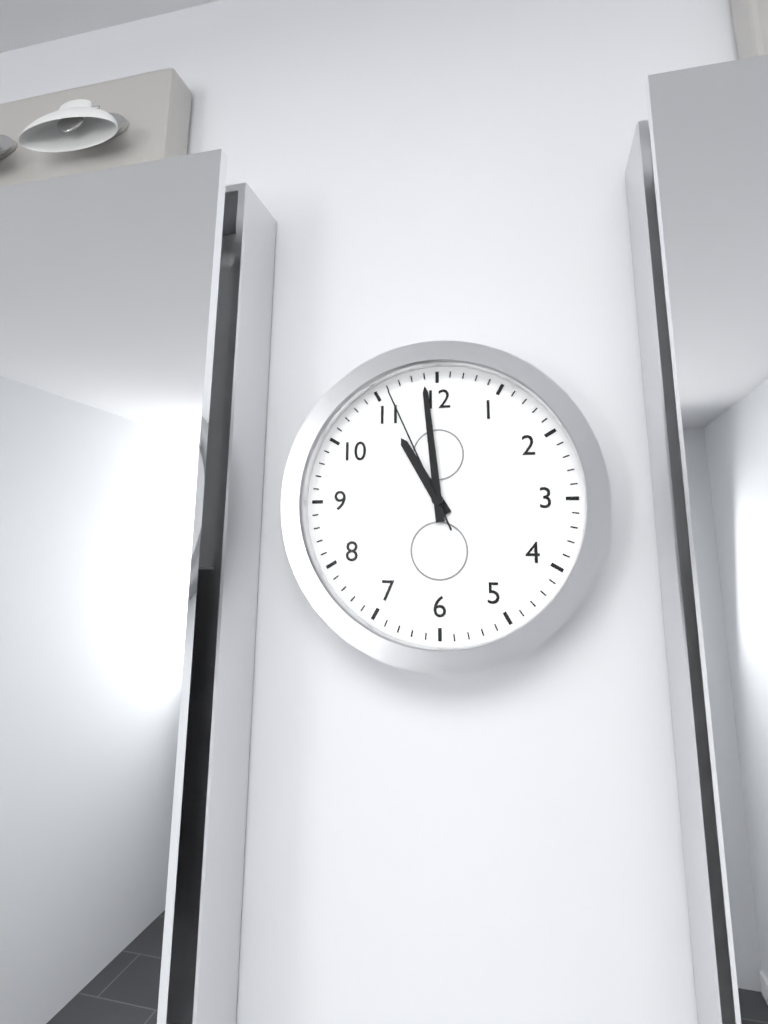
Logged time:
h=10 m=59 s=56
